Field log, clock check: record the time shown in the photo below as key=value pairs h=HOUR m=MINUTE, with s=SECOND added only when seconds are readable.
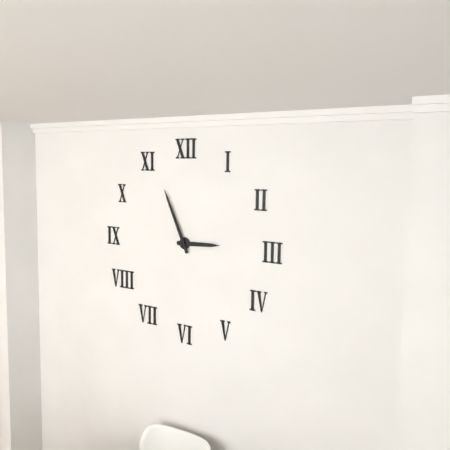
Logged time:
h=2 m=56
